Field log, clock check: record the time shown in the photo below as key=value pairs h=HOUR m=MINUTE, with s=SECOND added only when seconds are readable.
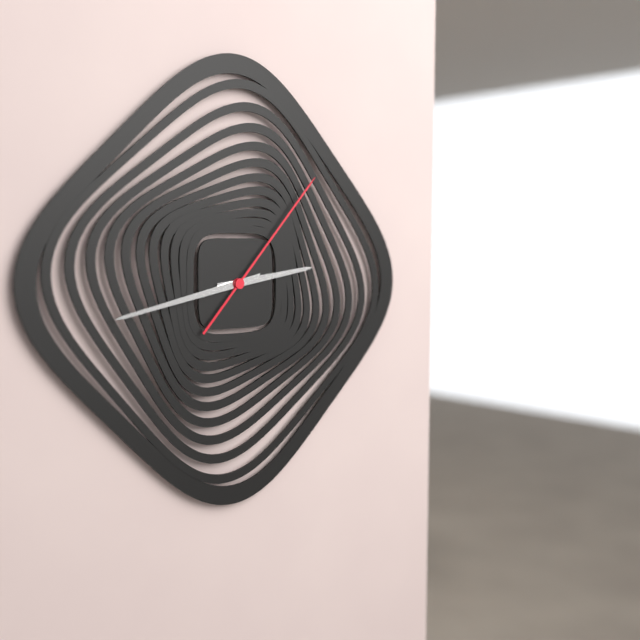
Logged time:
h=2 m=43 s=7
